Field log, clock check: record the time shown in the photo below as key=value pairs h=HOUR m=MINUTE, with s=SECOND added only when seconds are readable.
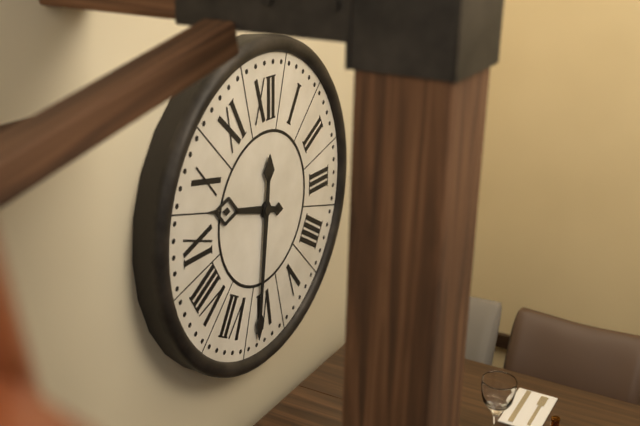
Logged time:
h=9 m=31
